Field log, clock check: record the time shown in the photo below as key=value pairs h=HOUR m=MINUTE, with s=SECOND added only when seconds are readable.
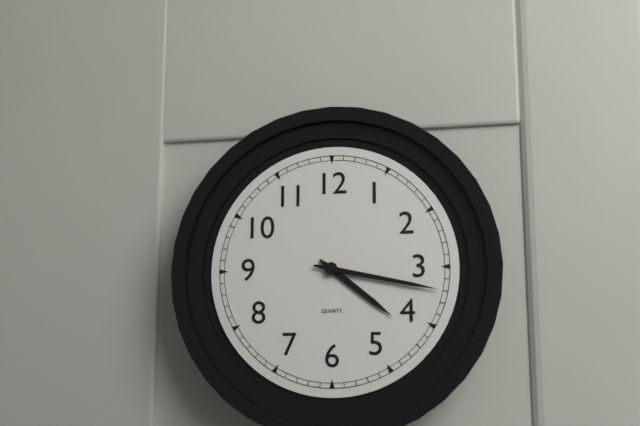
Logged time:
h=4 m=17
